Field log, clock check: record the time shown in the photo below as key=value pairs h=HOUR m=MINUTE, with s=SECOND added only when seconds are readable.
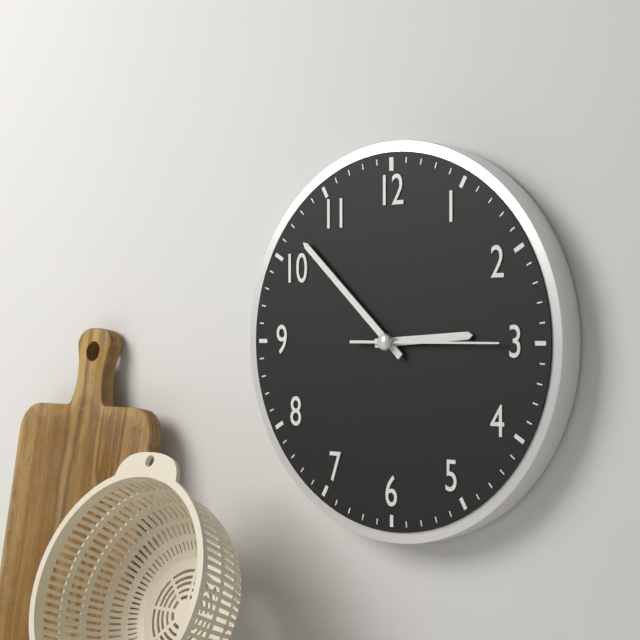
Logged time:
h=2 m=52 s=15
